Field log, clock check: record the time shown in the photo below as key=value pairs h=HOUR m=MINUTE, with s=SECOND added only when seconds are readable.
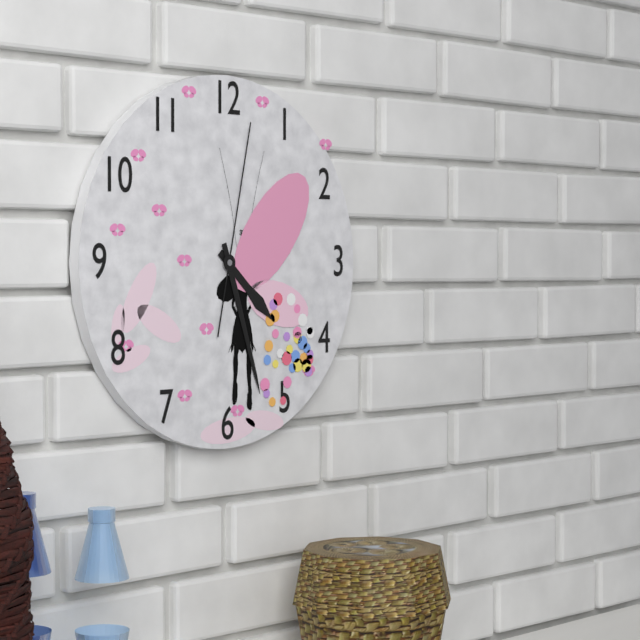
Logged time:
h=4 m=27 s=2
